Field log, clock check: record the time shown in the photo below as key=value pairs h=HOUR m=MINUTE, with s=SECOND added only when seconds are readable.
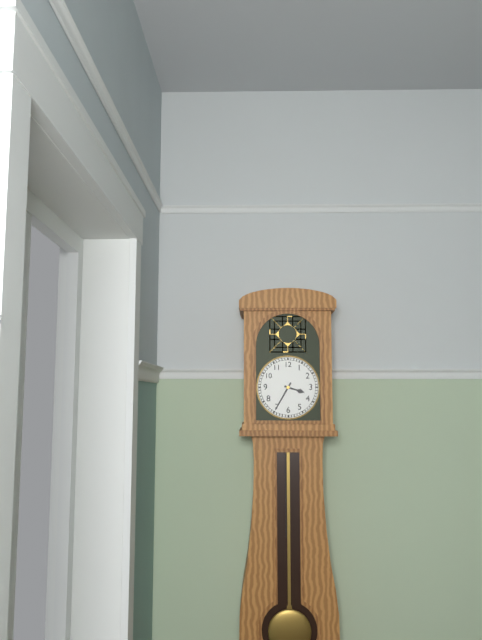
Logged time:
h=3 m=35
